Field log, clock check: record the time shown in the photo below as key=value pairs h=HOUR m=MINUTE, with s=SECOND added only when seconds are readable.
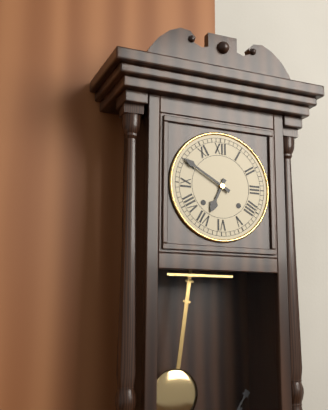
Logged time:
h=6 m=50
